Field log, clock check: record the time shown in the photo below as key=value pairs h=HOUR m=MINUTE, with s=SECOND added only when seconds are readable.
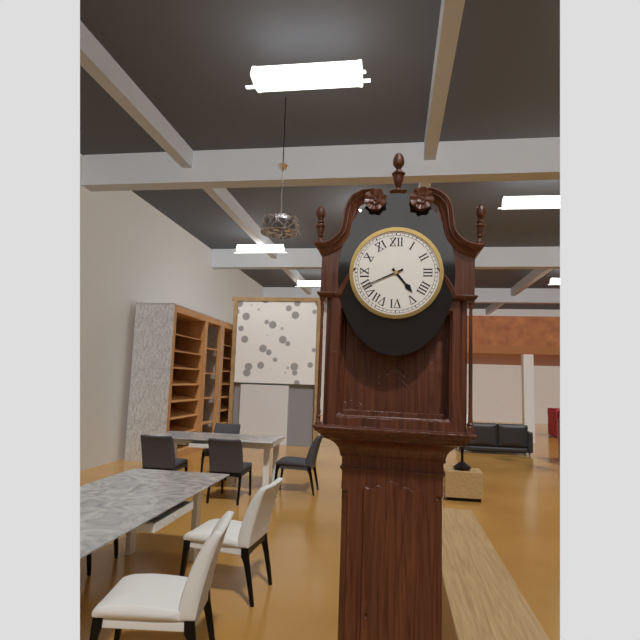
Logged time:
h=4 m=41
